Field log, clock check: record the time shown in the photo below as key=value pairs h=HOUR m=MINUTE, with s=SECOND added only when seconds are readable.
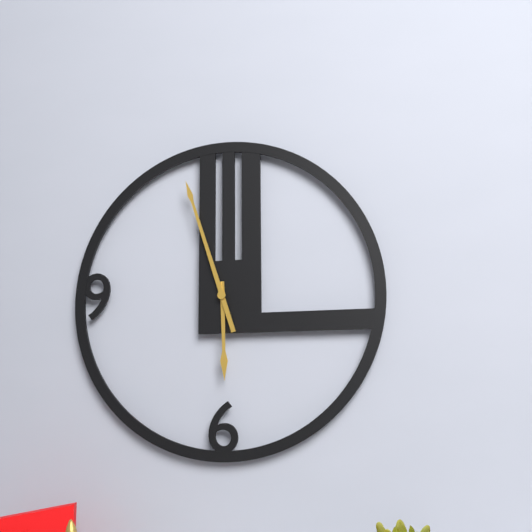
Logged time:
h=5 m=57
